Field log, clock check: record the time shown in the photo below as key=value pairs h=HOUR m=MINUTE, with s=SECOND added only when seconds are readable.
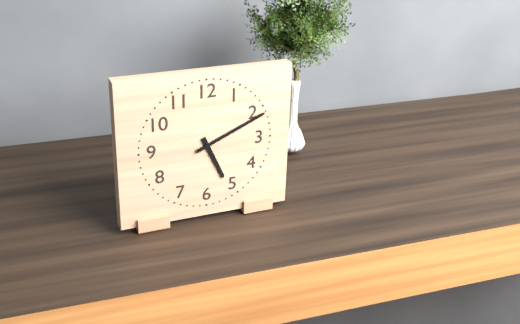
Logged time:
h=5 m=11
